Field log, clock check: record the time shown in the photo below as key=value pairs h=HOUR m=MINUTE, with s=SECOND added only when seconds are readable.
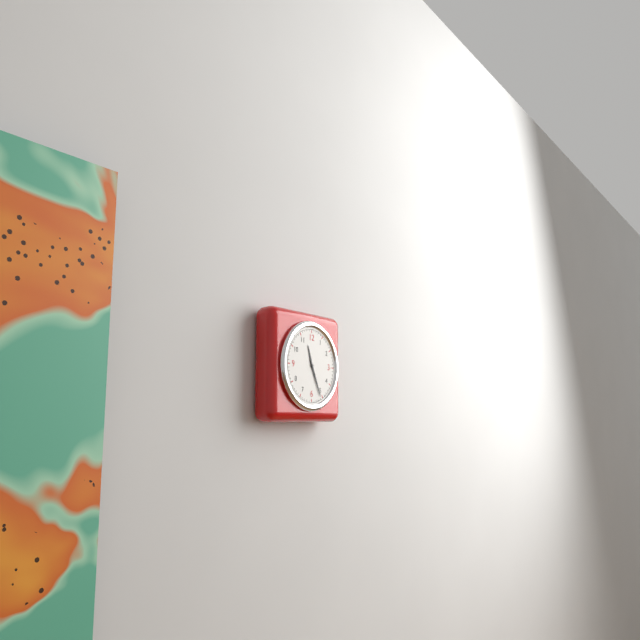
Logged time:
h=11 m=26
